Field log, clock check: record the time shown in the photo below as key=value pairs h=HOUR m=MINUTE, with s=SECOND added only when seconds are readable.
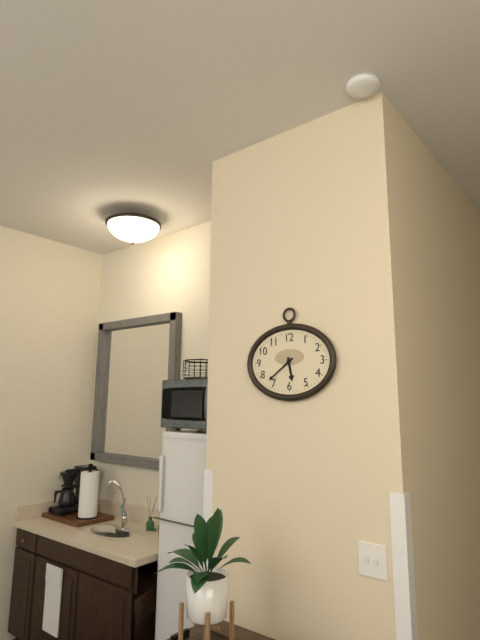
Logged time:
h=5 m=39
